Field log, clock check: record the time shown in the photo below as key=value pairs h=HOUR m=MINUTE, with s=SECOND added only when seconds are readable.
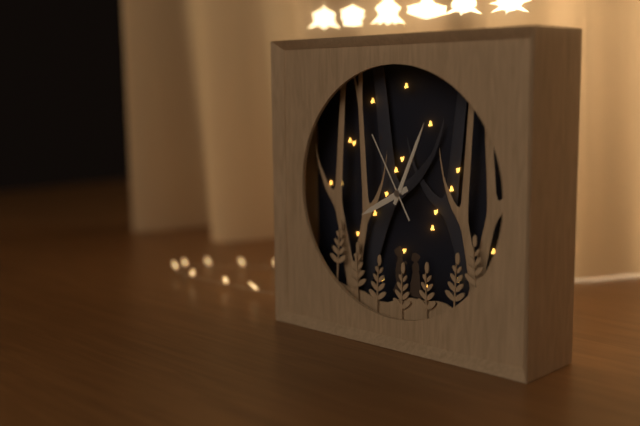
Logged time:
h=8 m=4 s=55
